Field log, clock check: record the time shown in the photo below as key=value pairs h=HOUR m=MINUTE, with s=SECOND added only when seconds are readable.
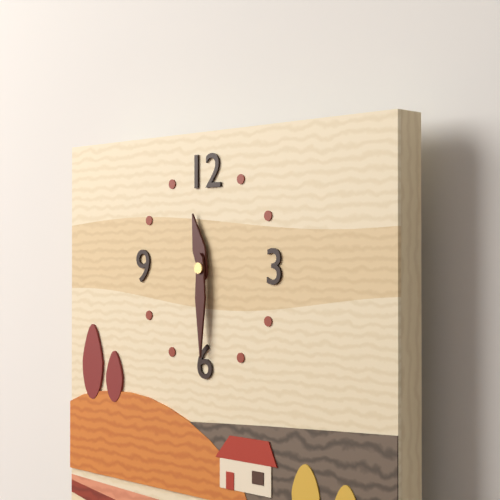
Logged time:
h=11 m=30
